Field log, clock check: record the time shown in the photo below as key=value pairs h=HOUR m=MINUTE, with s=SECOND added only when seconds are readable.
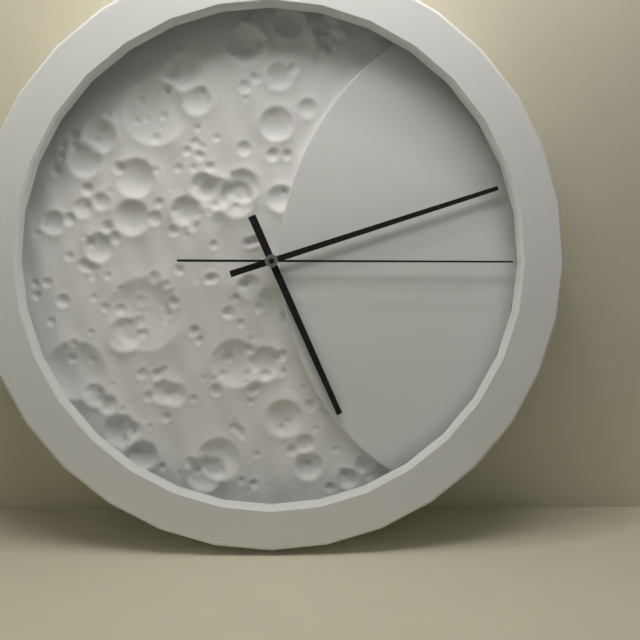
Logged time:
h=5 m=12 s=15
